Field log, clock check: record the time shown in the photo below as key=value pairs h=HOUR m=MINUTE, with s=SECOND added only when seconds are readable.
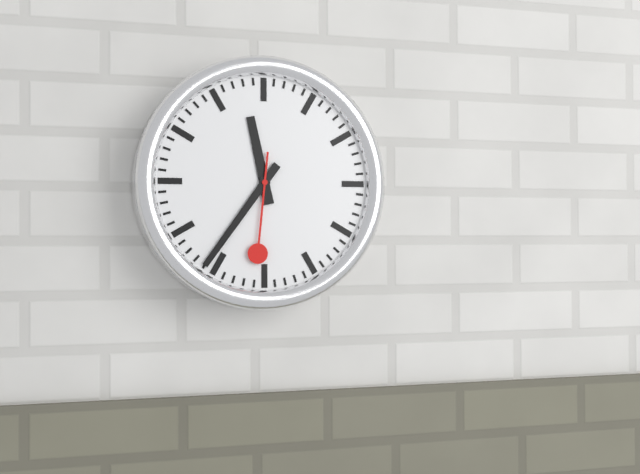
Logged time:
h=11 m=36 s=31
